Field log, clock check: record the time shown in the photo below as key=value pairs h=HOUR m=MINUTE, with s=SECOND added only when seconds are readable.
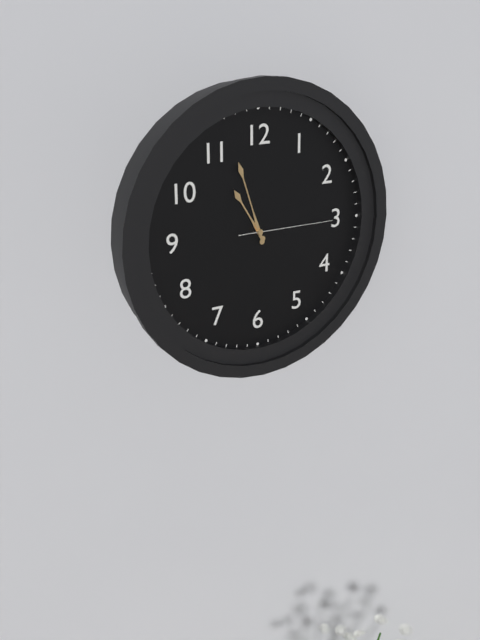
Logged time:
h=10 m=57 s=15
